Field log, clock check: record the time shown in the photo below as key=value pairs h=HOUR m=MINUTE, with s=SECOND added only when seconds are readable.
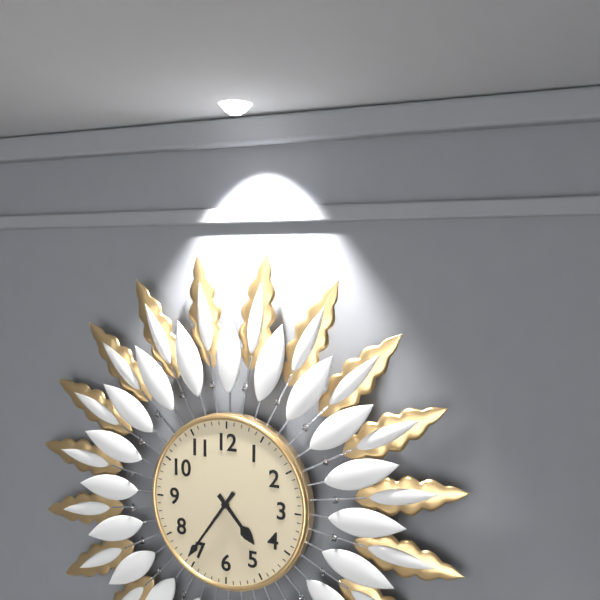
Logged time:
h=4 m=36
